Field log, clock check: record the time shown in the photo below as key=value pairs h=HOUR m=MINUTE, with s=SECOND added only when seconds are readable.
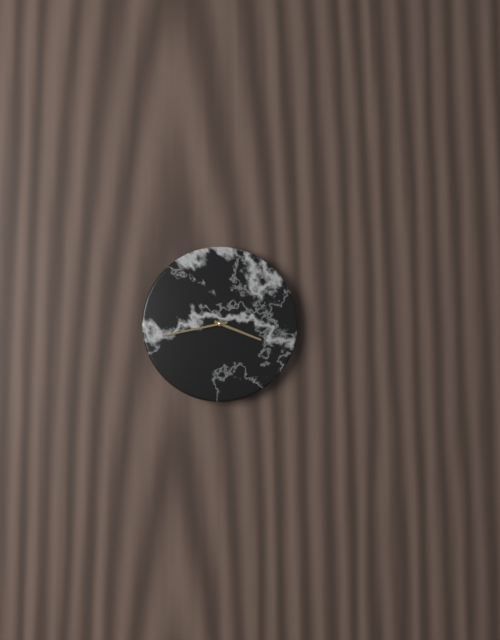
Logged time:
h=3 m=43
